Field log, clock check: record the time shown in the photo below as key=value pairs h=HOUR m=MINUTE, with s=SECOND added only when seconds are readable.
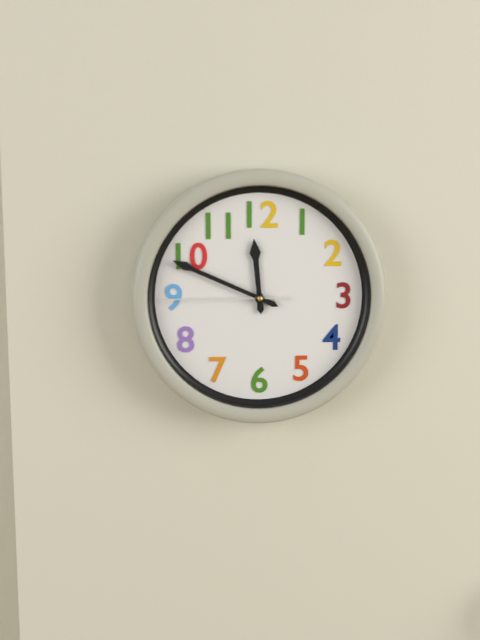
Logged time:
h=11 m=49 s=45
